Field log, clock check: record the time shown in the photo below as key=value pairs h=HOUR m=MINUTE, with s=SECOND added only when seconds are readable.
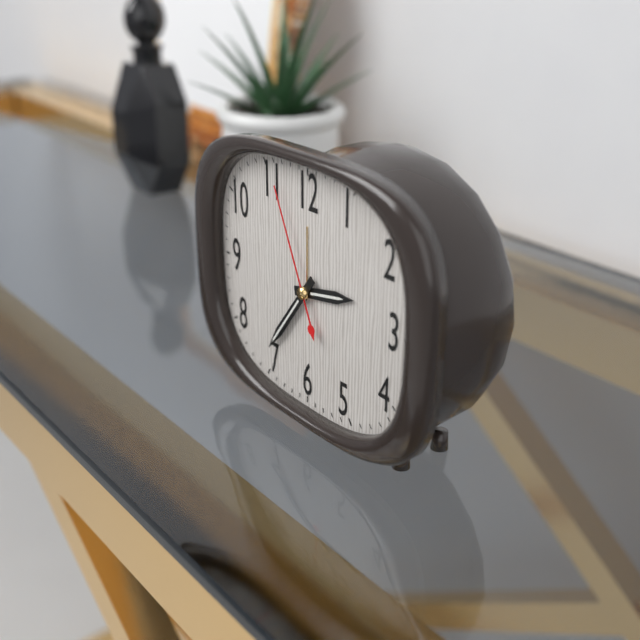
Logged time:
h=2 m=36 s=56
